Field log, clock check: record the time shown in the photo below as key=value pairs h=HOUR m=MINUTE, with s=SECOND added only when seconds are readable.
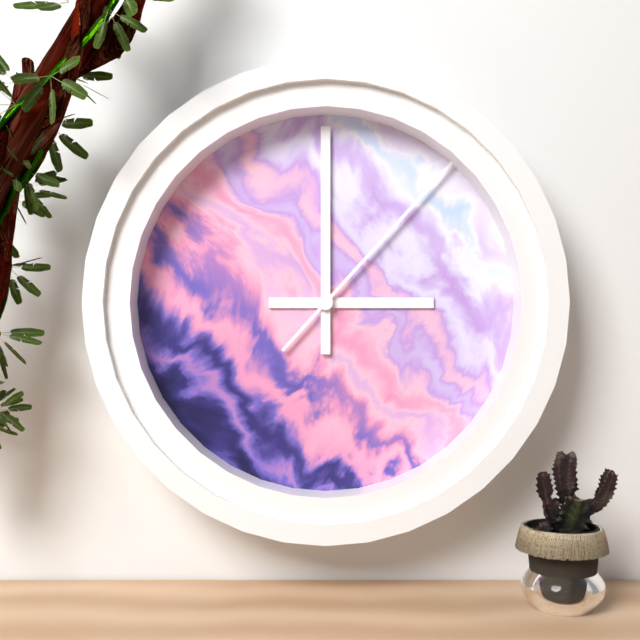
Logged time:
h=3 m=0 s=7
